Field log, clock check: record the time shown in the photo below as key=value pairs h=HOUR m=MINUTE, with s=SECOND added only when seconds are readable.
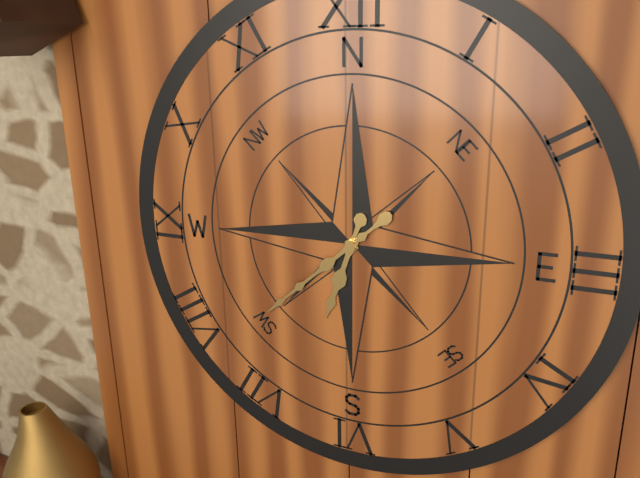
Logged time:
h=6 m=38
